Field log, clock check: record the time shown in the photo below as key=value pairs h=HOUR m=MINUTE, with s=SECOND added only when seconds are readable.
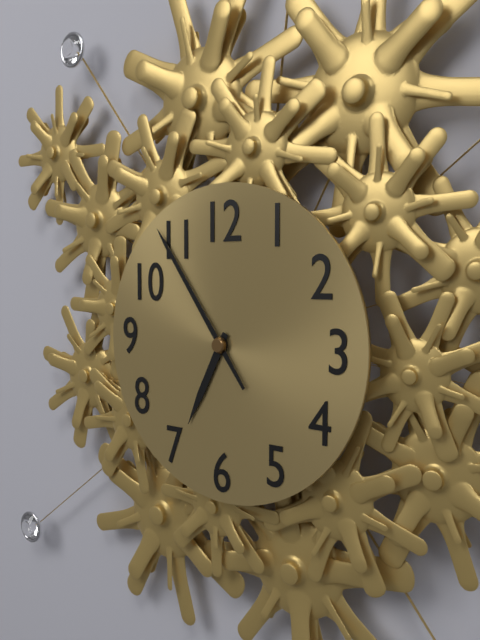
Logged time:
h=6 m=54
